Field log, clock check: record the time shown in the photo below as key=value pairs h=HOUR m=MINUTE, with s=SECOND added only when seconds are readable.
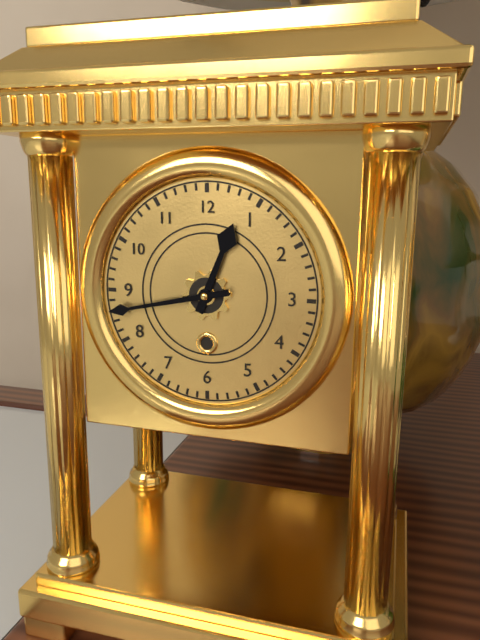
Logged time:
h=12 m=43
